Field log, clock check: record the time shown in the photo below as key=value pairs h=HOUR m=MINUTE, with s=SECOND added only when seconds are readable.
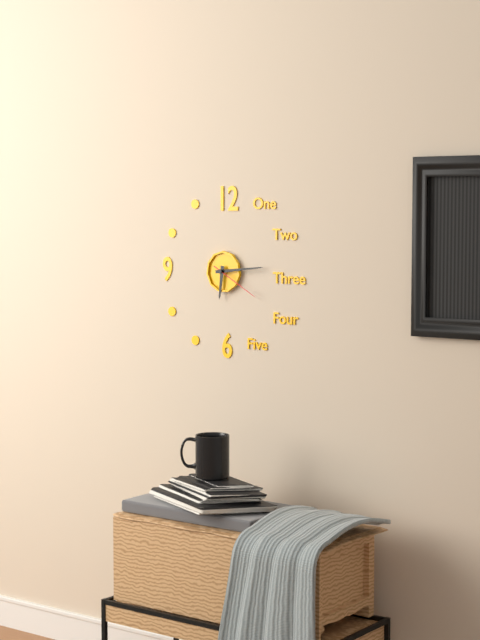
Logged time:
h=6 m=14 s=20
